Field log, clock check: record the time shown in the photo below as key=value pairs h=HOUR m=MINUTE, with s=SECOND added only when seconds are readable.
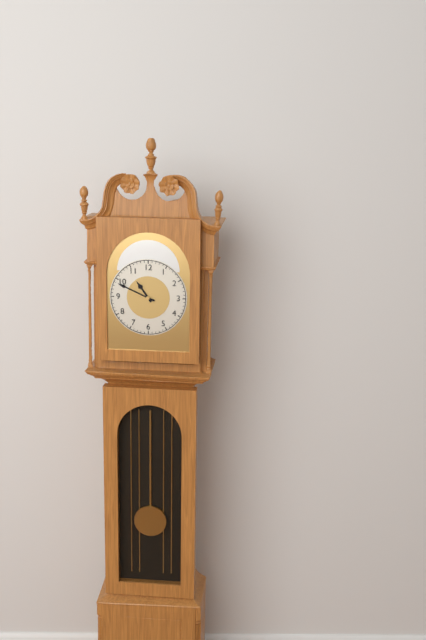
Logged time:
h=10 m=49
